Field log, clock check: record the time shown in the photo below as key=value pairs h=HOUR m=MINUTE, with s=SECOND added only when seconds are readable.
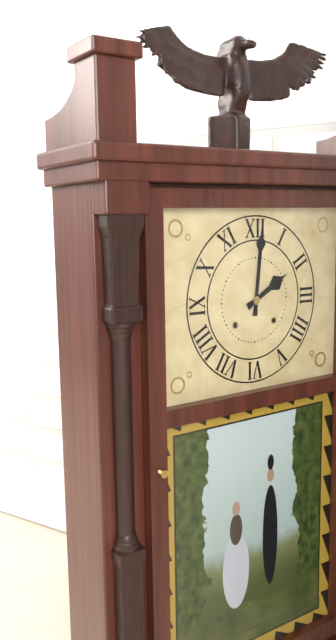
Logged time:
h=2 m=1
